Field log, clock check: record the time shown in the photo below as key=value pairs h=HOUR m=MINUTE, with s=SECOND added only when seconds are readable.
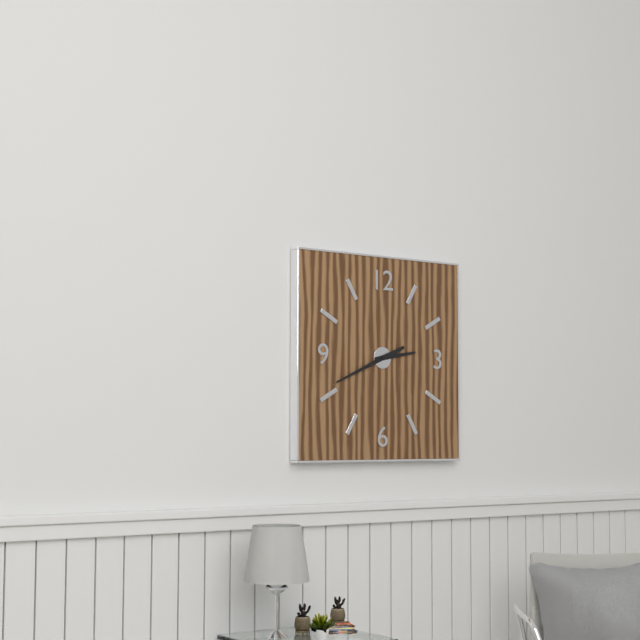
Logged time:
h=2 m=41
